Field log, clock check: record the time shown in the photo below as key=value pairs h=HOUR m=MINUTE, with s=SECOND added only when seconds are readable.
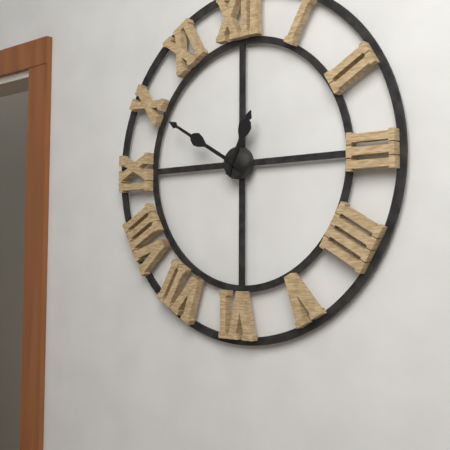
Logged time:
h=12 m=50
